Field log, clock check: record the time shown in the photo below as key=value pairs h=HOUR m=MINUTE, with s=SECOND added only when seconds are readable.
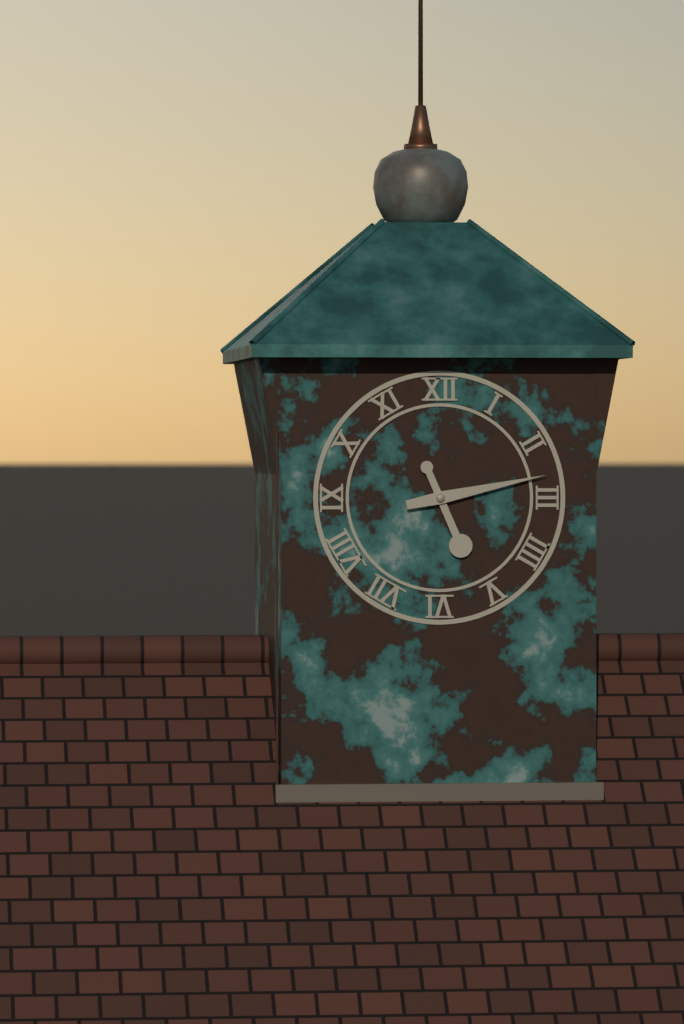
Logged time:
h=5 m=13
